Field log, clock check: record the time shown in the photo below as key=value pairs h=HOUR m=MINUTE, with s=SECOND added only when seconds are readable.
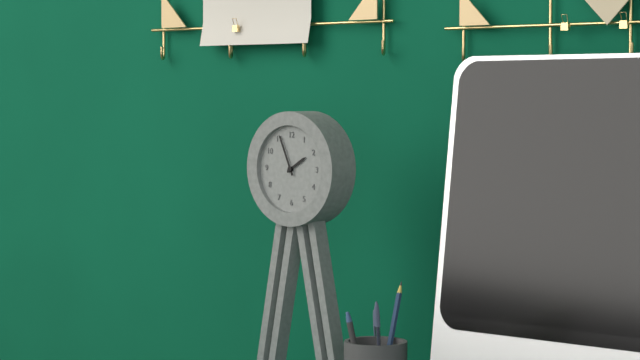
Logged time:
h=1 m=56
